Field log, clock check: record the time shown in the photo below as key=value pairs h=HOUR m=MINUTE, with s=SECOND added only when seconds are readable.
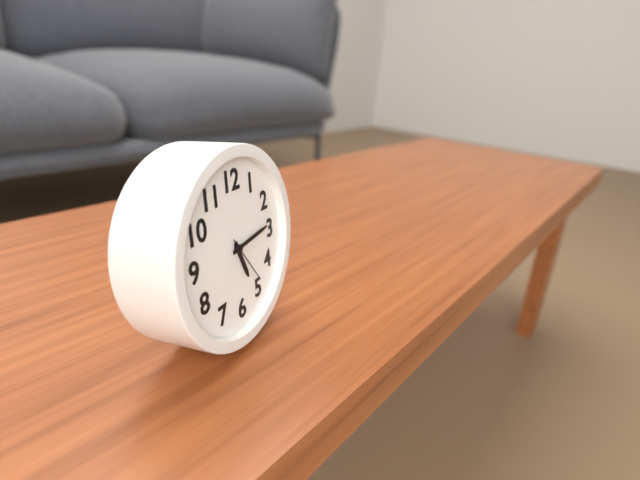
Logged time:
h=5 m=14
